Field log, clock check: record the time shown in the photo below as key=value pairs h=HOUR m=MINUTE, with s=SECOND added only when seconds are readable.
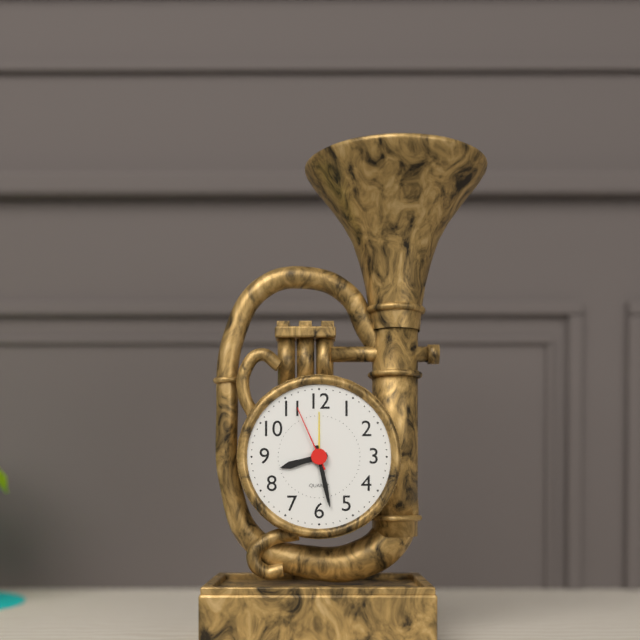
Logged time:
h=8 m=28 s=56
